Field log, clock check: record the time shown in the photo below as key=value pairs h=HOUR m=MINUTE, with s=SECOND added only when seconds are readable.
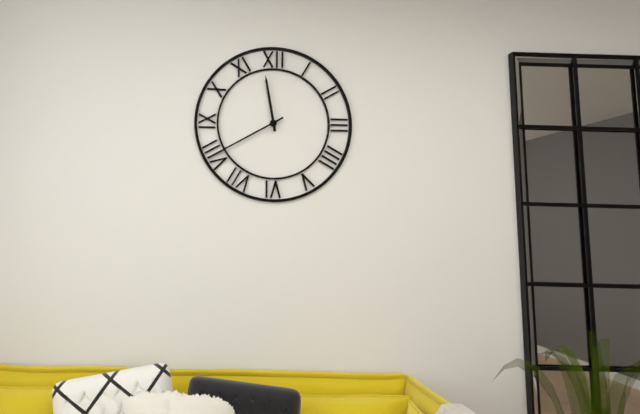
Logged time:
h=11 m=40
